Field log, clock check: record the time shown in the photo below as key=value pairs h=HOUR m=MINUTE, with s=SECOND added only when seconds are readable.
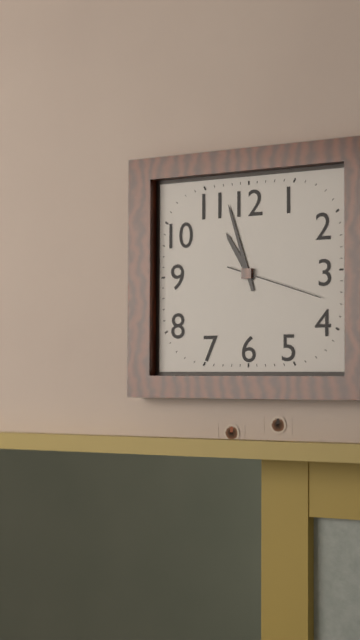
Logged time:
h=10 m=57 s=18
